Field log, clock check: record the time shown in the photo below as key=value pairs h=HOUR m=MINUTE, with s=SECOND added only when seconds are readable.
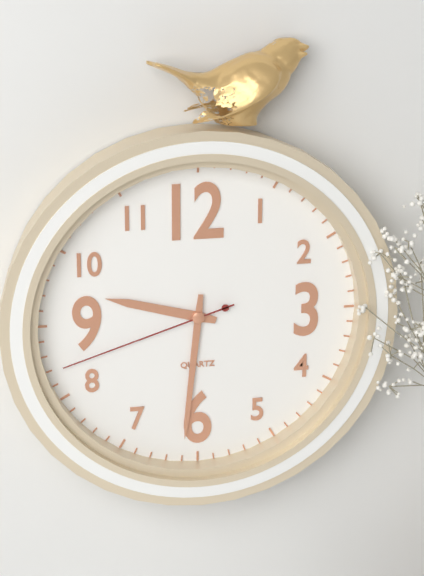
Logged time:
h=9 m=31 s=42
